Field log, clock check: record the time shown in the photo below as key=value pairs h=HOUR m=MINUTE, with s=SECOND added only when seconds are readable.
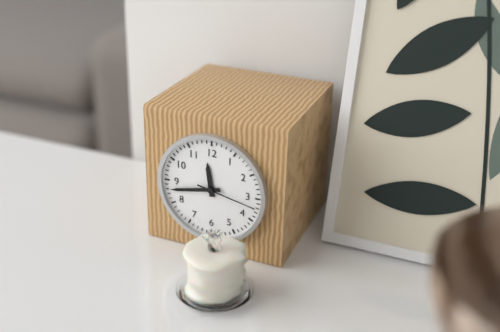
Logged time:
h=11 m=43 s=17
